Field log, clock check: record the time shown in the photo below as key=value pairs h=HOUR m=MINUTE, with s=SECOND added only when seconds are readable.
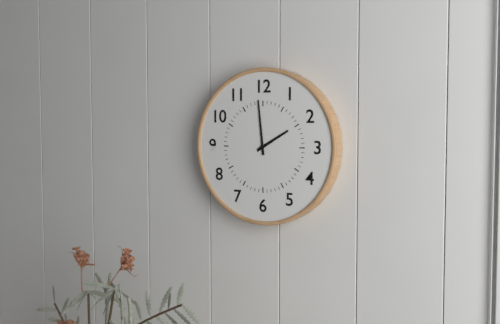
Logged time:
h=1 m=59
